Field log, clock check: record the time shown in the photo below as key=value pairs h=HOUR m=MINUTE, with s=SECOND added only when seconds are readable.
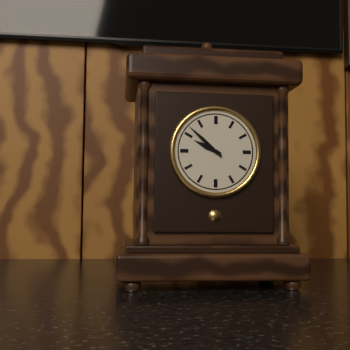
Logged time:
h=9 m=52
